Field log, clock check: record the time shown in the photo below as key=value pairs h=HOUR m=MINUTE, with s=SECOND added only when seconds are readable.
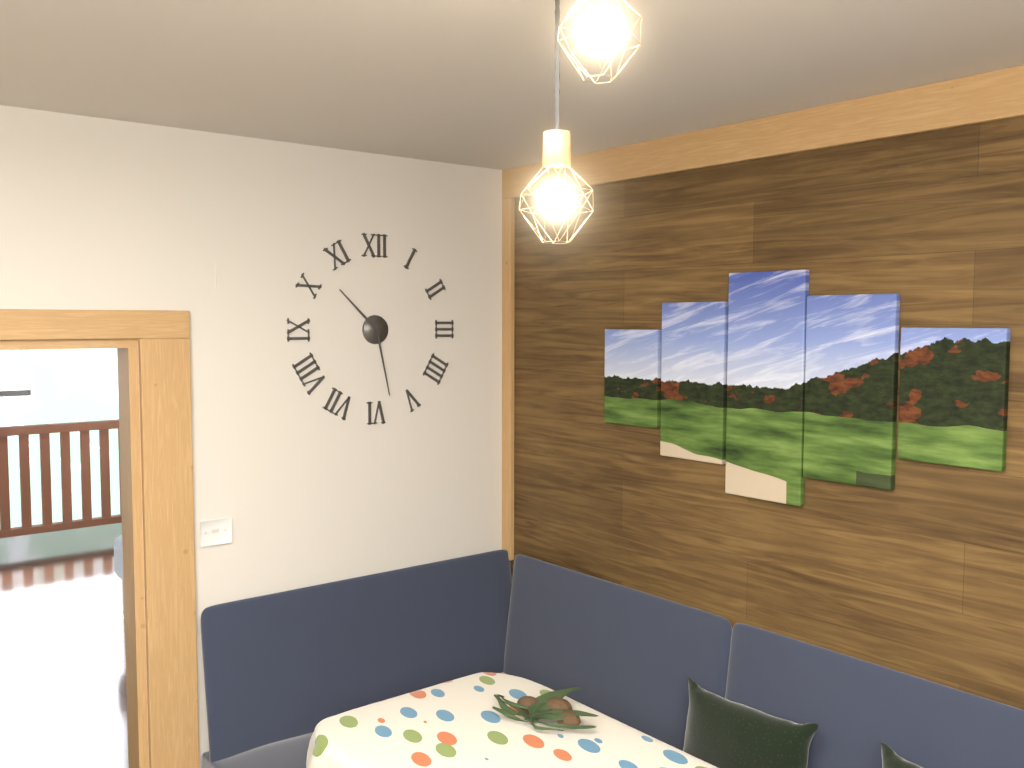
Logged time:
h=10 m=28
